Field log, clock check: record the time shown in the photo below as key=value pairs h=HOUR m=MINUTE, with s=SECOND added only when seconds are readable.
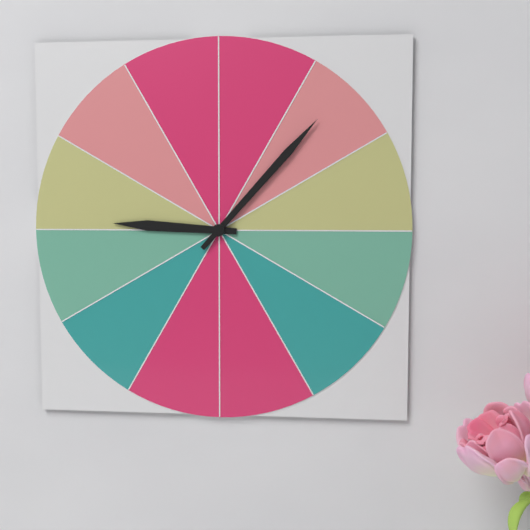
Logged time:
h=9 m=7
